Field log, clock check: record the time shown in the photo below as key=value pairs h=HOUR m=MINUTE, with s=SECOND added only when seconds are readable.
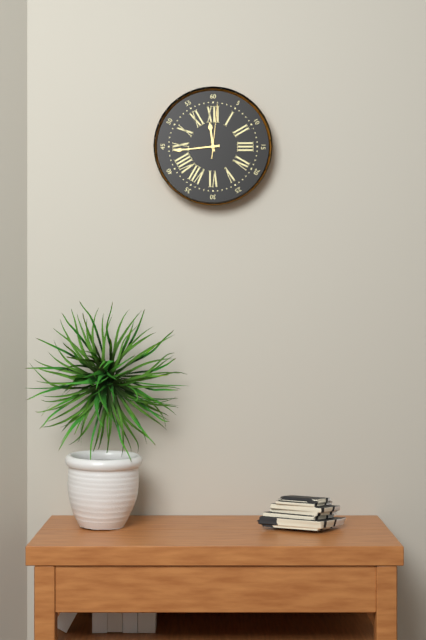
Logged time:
h=11 m=44 s=1
